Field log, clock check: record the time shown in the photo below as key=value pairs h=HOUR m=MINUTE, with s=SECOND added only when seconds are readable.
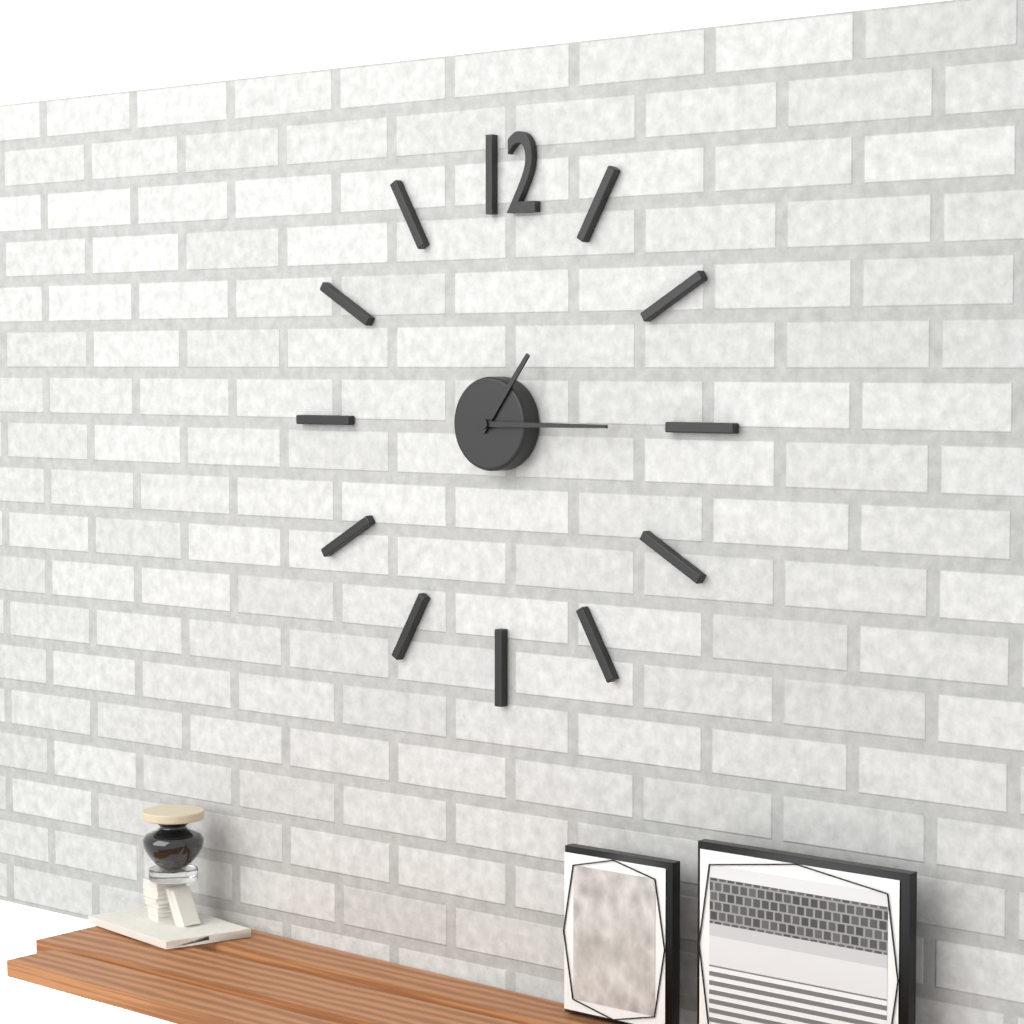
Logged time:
h=1 m=15
